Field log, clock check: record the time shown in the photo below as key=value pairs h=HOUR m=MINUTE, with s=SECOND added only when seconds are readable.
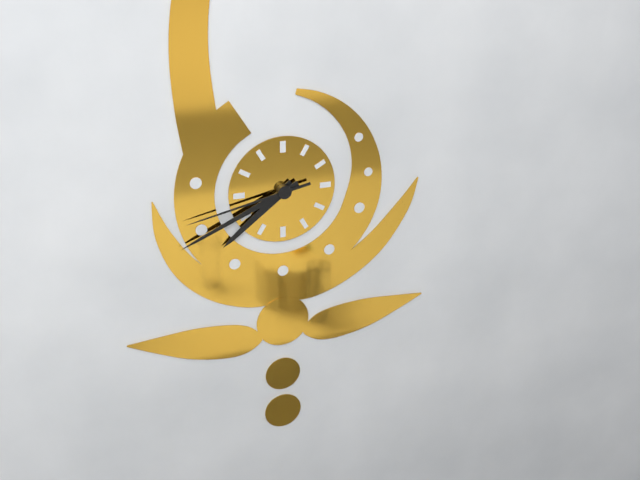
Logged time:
h=7 m=41 s=43
